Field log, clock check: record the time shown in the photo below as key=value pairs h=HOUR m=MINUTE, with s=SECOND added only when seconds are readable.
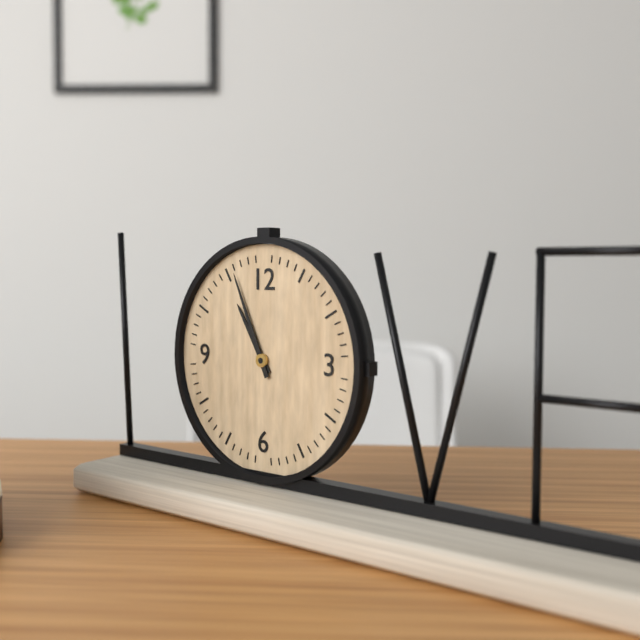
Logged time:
h=10 m=56
